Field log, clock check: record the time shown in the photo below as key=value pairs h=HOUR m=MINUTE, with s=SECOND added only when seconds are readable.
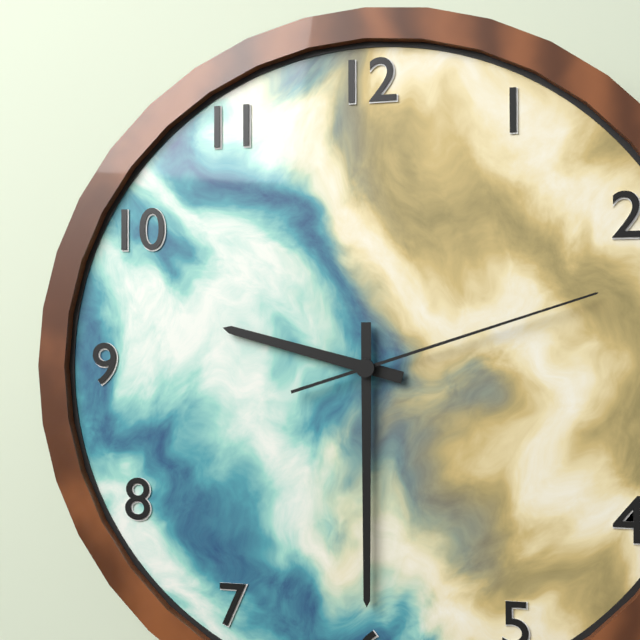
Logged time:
h=9 m=30 s=12
